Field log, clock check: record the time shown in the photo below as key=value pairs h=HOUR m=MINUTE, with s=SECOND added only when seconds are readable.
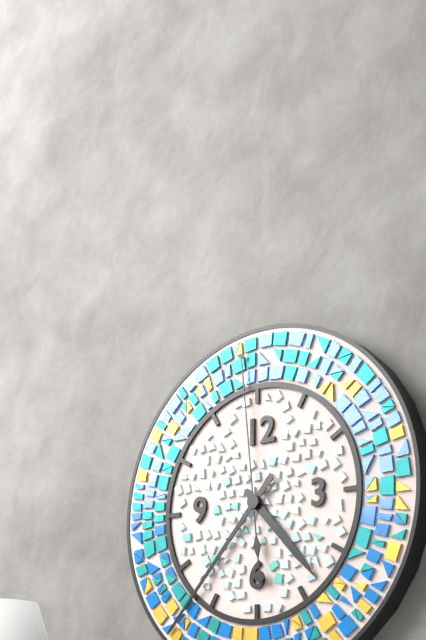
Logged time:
h=4 m=37 s=59
